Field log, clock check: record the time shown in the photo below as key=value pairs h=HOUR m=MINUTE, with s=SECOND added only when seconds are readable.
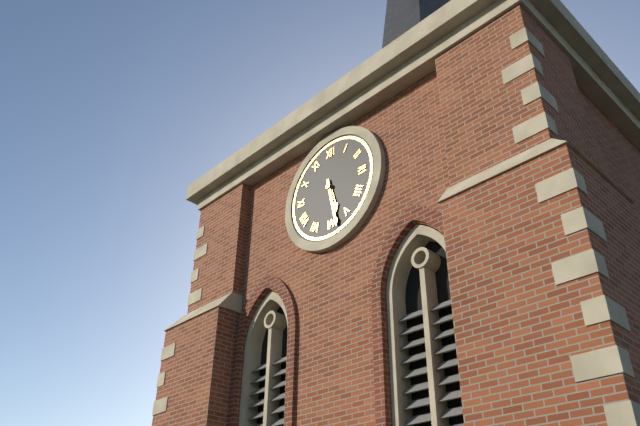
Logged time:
h=5 m=28
